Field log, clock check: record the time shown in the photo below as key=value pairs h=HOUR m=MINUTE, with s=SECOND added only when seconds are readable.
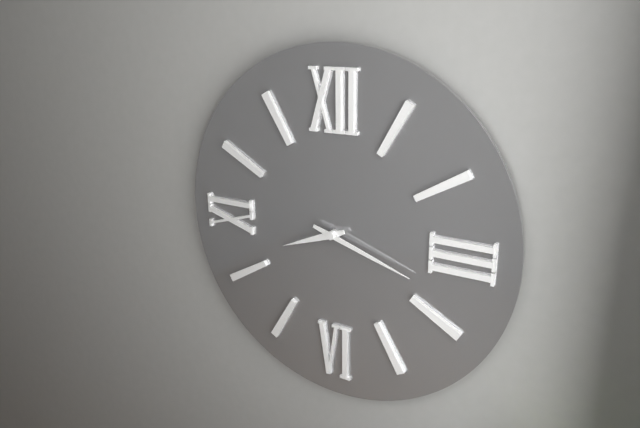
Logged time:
h=8 m=18
